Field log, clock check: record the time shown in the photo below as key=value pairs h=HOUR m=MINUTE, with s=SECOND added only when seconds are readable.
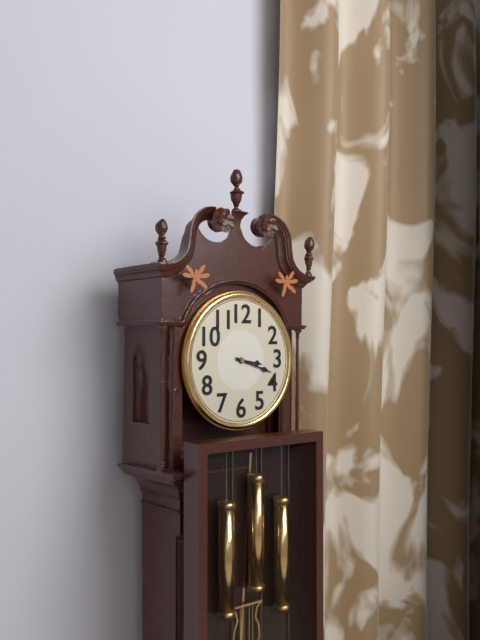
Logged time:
h=3 m=18
